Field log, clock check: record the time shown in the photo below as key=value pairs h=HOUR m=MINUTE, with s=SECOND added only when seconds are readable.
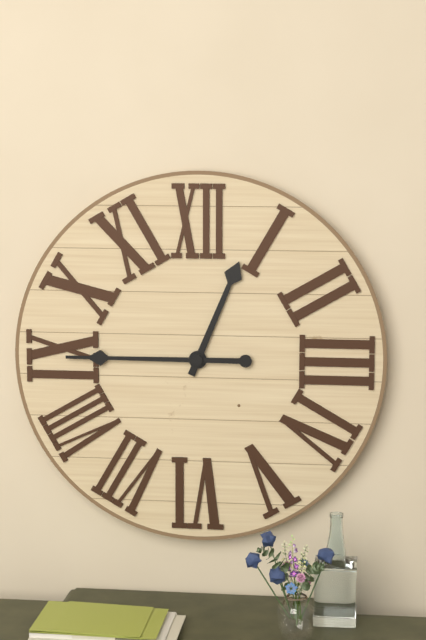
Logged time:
h=12 m=45
